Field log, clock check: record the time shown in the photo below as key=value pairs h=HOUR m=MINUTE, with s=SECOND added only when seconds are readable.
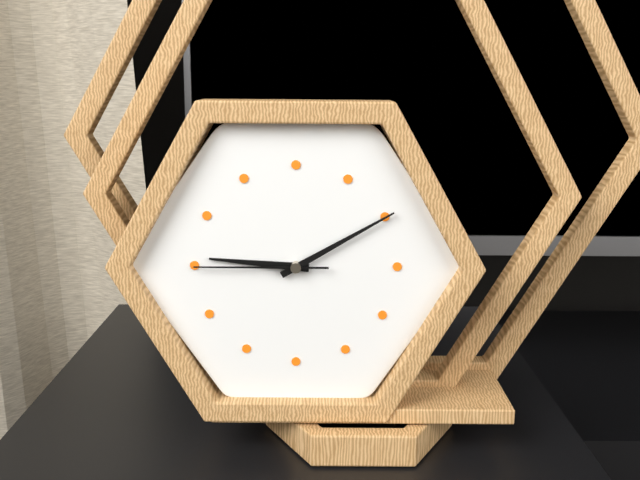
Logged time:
h=9 m=10 s=45
